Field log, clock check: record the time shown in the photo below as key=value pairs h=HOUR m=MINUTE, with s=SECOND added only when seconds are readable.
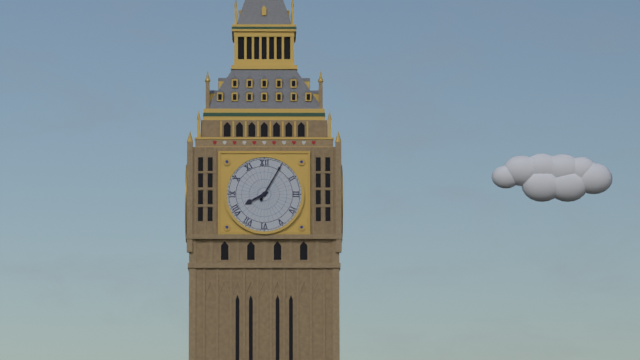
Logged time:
h=8 m=5
